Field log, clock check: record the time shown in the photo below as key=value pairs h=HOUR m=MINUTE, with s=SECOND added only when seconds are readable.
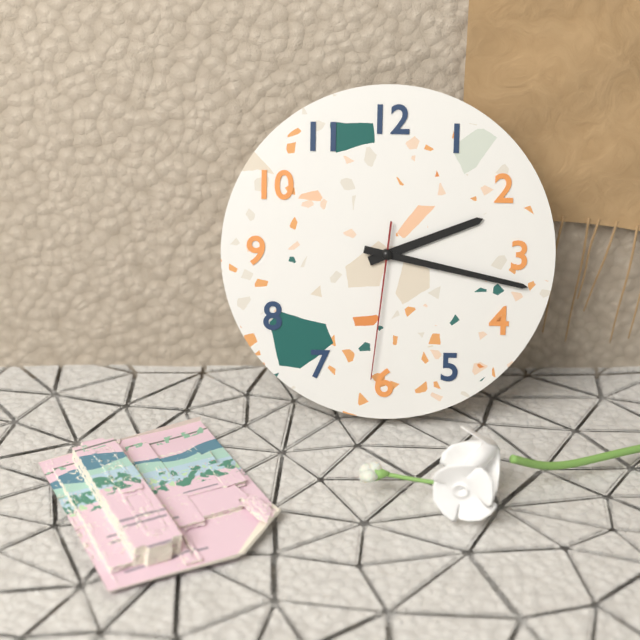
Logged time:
h=2 m=17 s=31
